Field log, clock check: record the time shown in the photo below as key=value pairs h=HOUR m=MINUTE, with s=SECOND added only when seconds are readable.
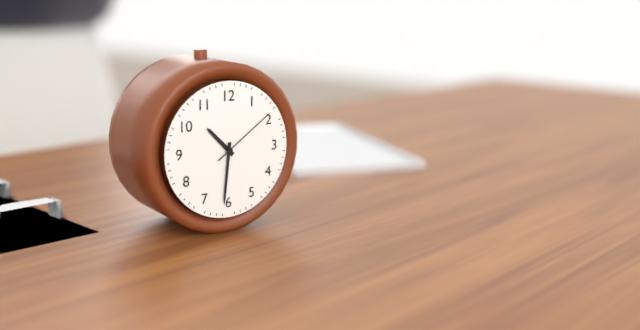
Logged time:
h=10 m=31 s=9
